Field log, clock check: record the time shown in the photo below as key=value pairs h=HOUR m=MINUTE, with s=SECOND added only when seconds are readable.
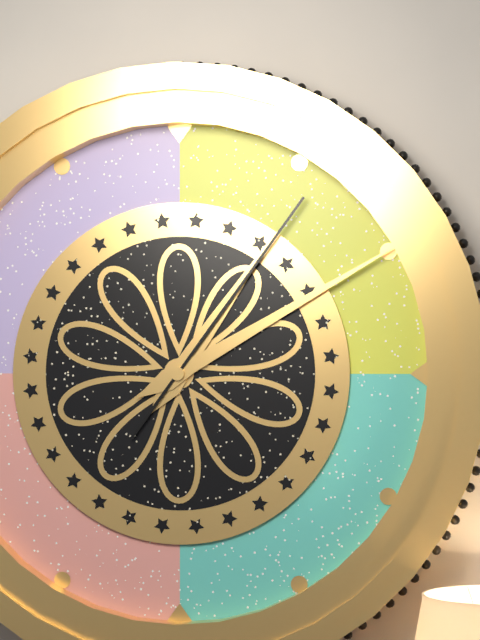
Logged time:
h=1 m=10 s=6
